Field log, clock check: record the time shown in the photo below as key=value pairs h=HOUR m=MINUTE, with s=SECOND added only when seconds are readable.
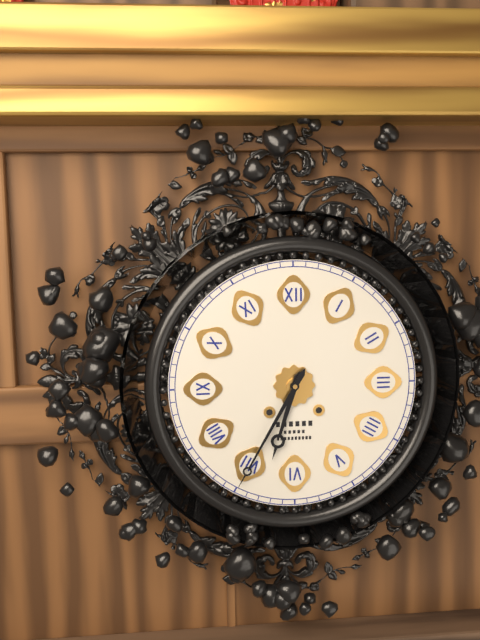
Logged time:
h=6 m=35
